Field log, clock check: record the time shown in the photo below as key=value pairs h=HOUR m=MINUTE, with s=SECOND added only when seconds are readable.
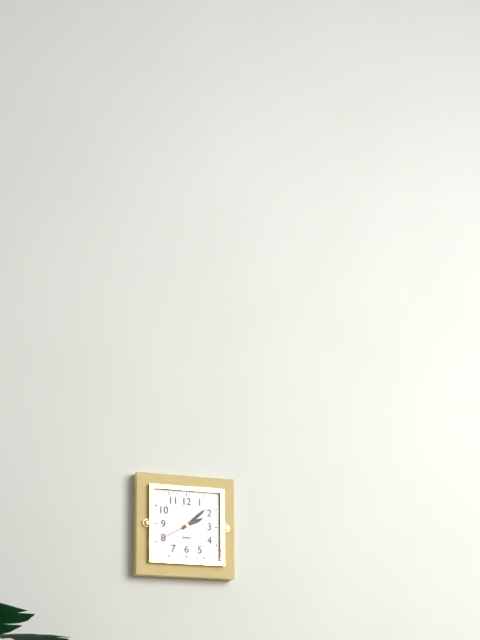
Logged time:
h=2 m=8
